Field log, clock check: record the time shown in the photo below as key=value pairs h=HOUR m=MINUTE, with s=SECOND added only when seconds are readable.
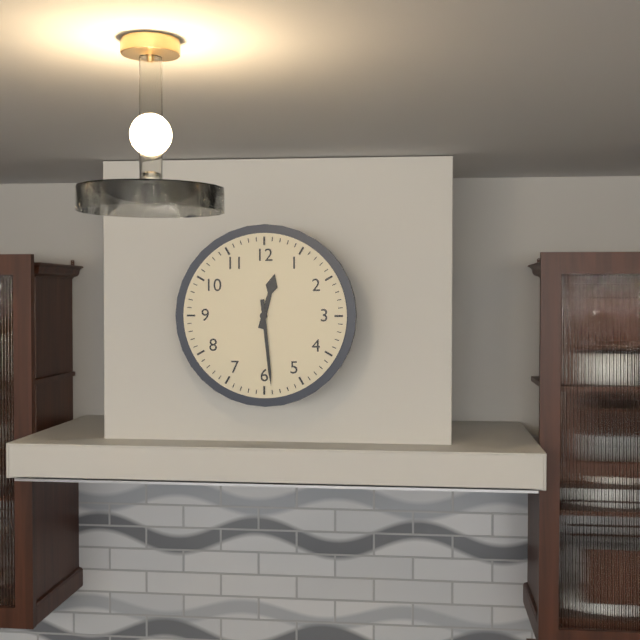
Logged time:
h=12 m=29
